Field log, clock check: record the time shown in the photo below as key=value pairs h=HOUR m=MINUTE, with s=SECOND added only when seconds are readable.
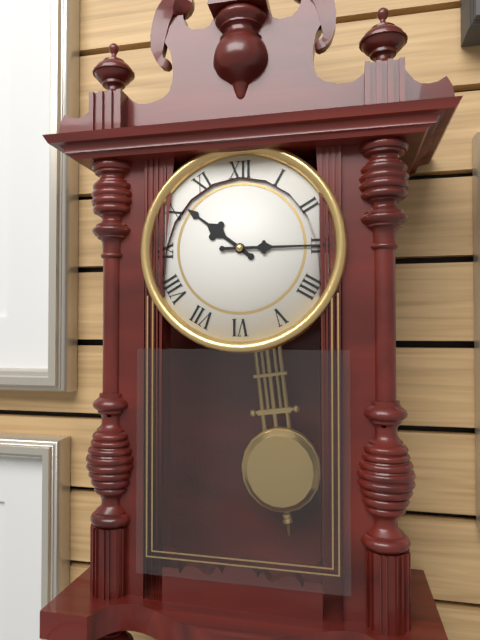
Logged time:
h=10 m=15
